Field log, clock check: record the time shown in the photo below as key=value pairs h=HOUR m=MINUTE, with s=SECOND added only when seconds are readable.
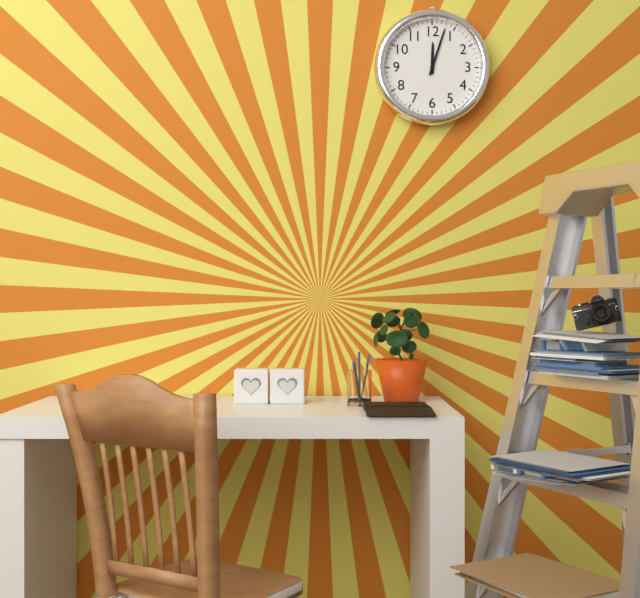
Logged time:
h=12 m=3
